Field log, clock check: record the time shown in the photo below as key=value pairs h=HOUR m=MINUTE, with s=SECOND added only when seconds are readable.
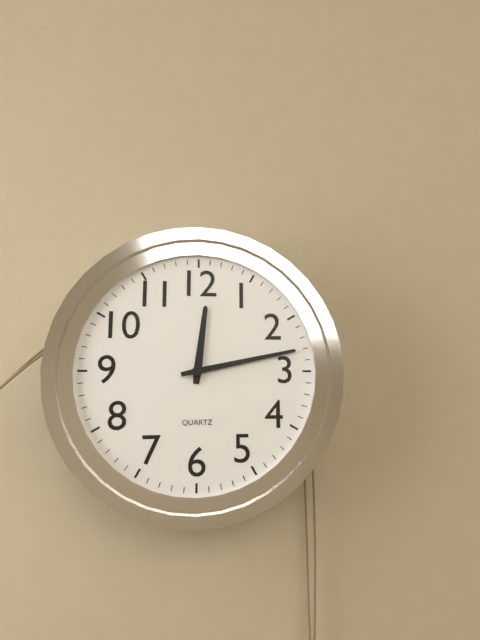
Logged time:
h=12 m=13
